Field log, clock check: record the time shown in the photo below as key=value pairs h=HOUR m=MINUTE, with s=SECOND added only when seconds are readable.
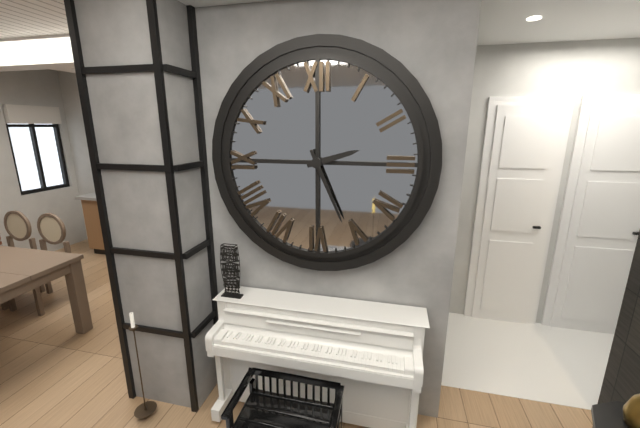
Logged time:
h=2 m=26
